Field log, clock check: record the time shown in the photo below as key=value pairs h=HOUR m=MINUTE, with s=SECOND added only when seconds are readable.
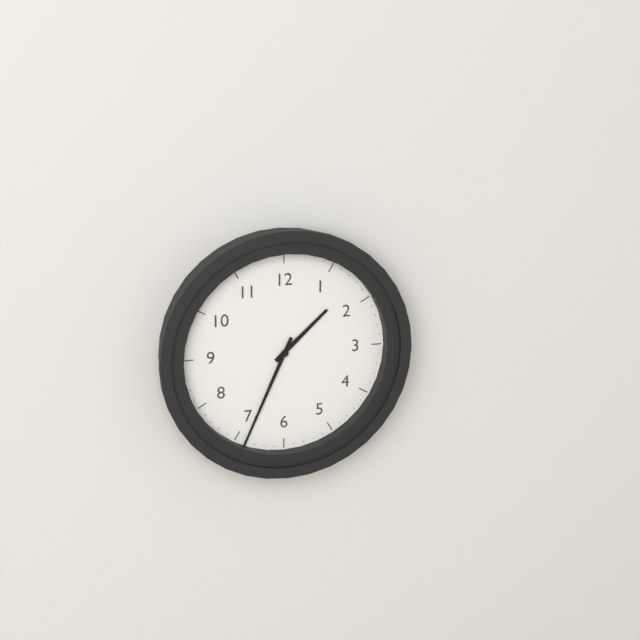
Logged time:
h=1 m=34
